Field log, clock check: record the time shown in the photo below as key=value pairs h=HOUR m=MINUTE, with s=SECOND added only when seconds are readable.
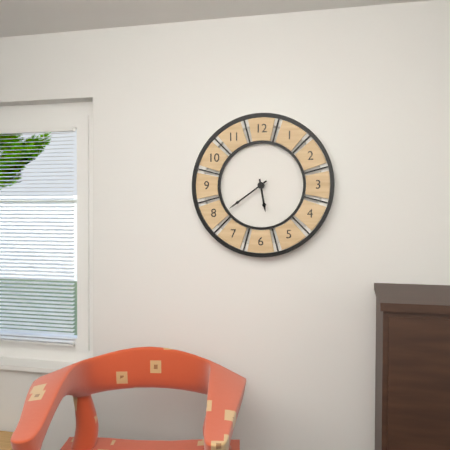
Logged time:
h=5 m=39
